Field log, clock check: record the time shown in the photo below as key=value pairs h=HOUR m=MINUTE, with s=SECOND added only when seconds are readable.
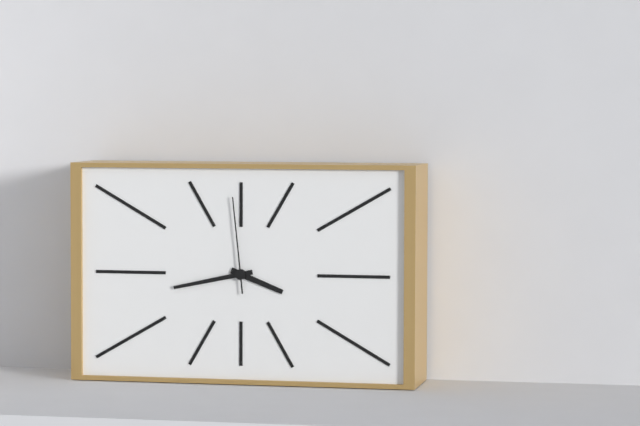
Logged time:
h=3 m=43 s=59
